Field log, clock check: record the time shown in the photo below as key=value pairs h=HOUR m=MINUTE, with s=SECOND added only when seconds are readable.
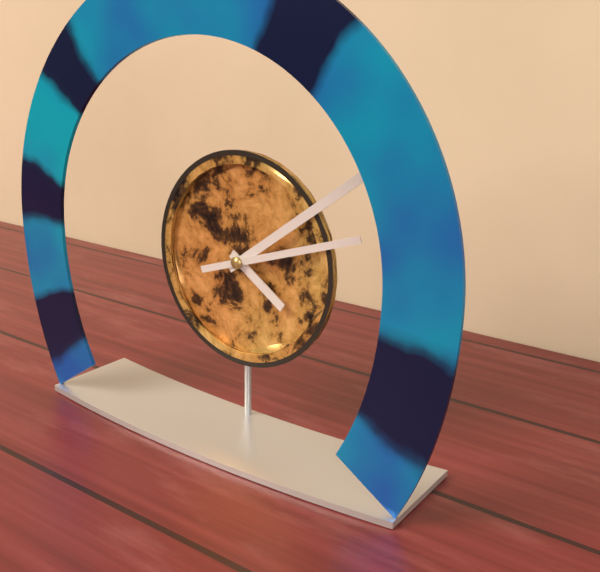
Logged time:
h=4 m=9 s=12
